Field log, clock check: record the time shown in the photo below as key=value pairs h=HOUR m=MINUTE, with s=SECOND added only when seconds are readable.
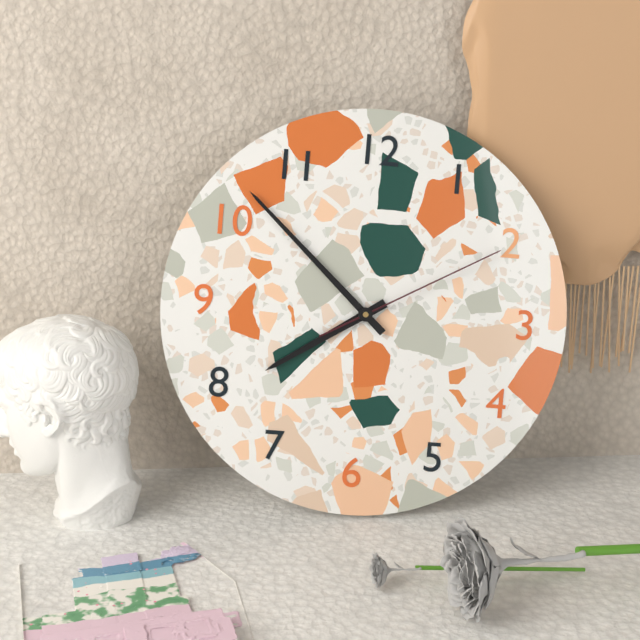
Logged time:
h=7 m=52 s=10
